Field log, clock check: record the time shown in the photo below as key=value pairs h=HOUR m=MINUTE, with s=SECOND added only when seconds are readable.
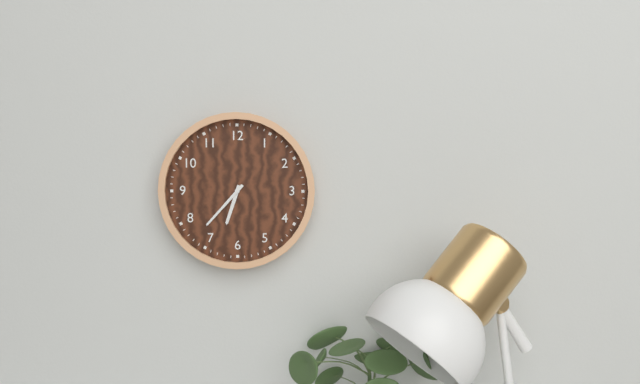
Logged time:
h=6 m=37
